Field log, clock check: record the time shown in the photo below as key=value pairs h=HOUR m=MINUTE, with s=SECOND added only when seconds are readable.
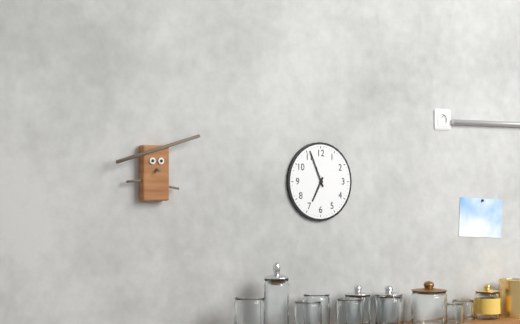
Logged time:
h=6 m=56
